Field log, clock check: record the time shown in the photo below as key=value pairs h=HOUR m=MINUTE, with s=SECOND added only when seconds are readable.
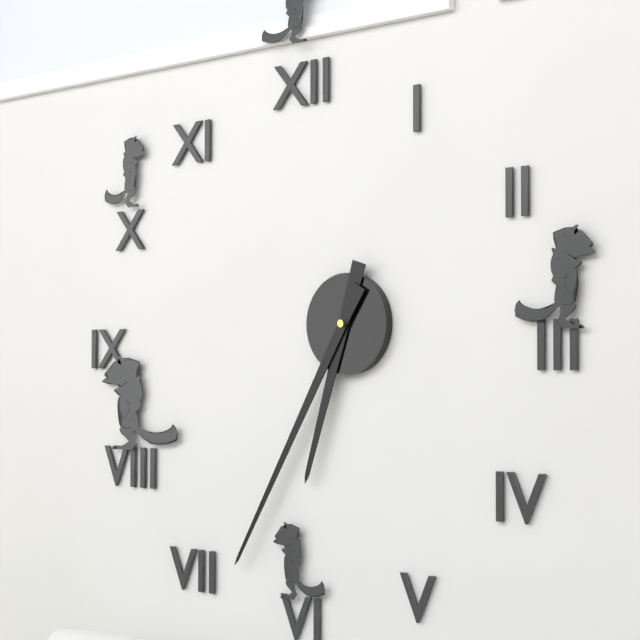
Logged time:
h=6 m=35
